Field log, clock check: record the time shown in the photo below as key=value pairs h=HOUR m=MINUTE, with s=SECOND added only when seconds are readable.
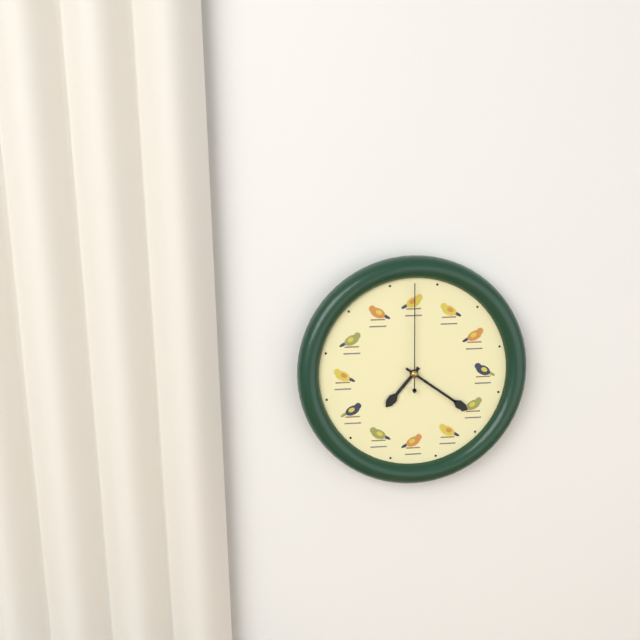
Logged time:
h=7 m=21 s=0
